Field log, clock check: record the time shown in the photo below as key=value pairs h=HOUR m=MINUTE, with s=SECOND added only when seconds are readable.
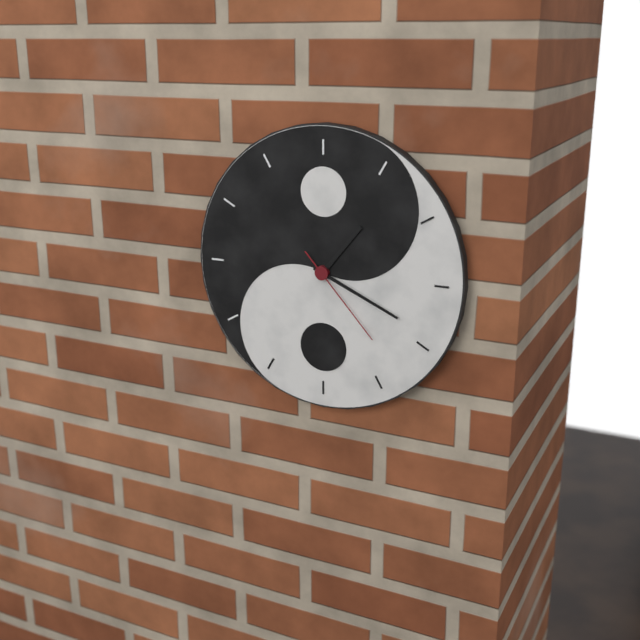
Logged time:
h=1 m=19 s=23
